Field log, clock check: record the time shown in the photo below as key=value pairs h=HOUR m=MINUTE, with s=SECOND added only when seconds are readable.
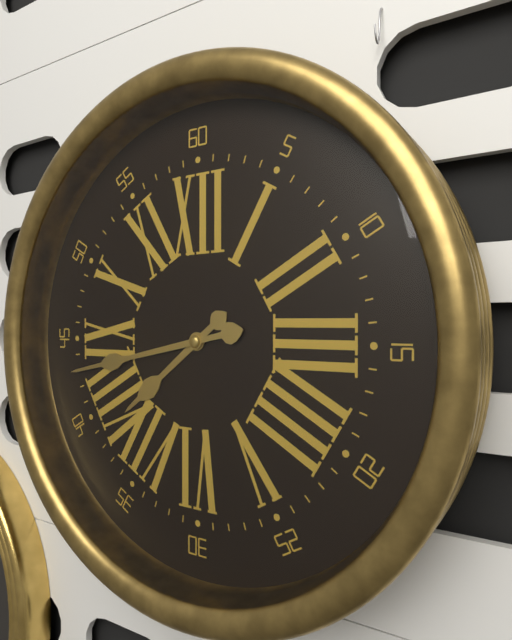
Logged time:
h=7 m=43
